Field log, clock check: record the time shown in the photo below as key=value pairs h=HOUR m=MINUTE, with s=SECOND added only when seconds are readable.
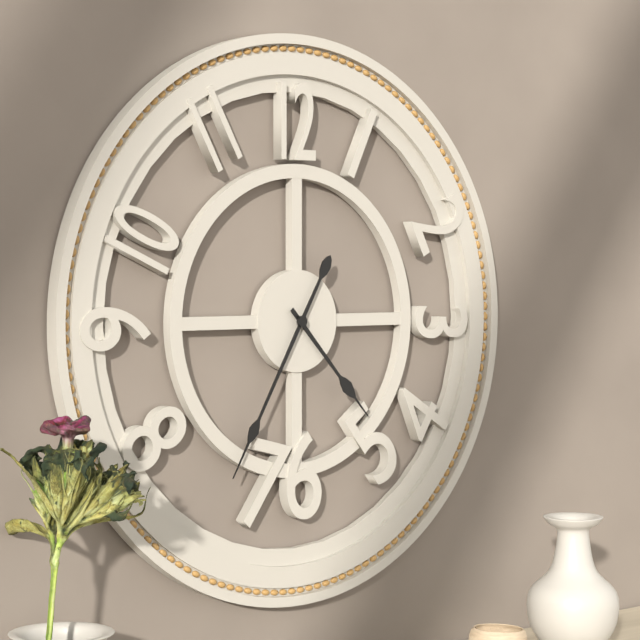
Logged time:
h=4 m=35
